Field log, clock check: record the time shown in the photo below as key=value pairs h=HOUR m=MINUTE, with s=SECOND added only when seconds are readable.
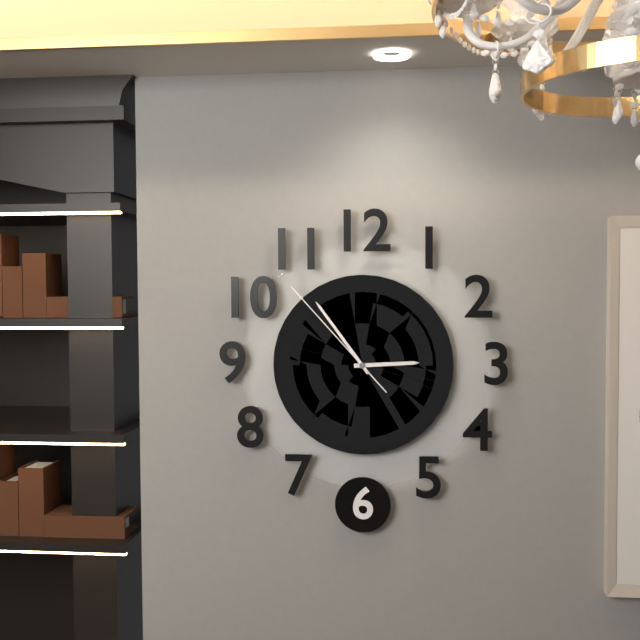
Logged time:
h=2 m=54 s=53
